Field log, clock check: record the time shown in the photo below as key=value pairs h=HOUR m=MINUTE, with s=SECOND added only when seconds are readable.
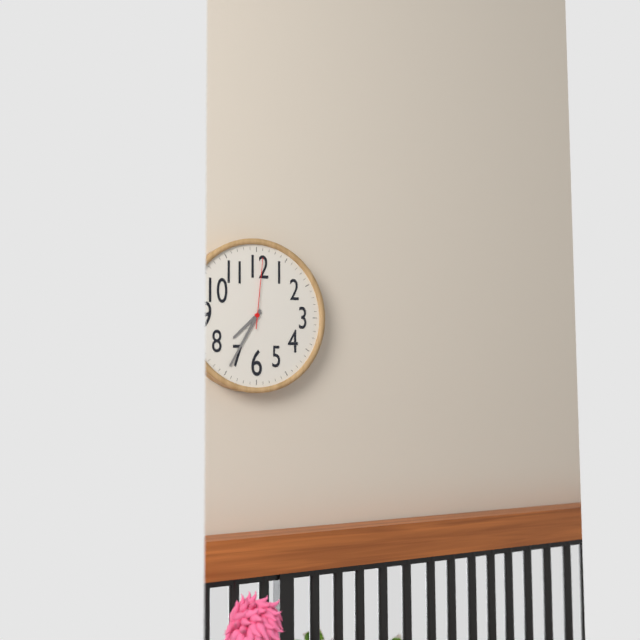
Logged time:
h=7 m=35 s=1
